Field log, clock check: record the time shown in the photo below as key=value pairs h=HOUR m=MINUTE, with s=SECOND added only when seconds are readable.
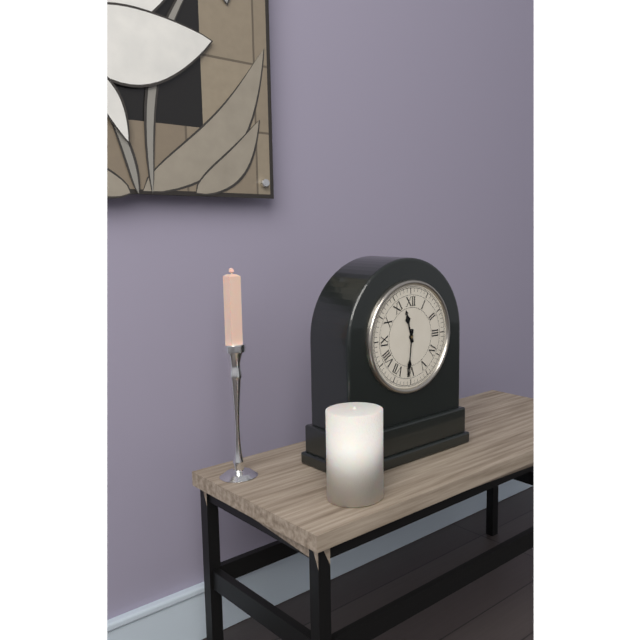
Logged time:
h=11 m=31
